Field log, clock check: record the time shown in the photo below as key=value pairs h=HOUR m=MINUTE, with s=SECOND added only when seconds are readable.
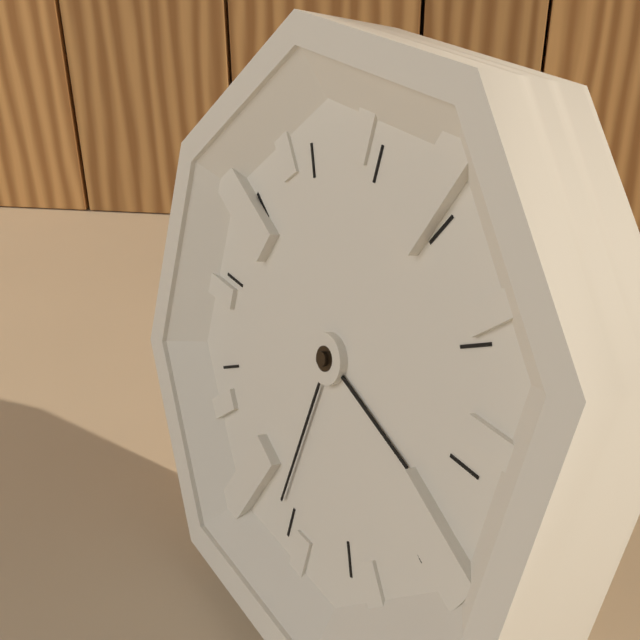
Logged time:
h=3 m=31
